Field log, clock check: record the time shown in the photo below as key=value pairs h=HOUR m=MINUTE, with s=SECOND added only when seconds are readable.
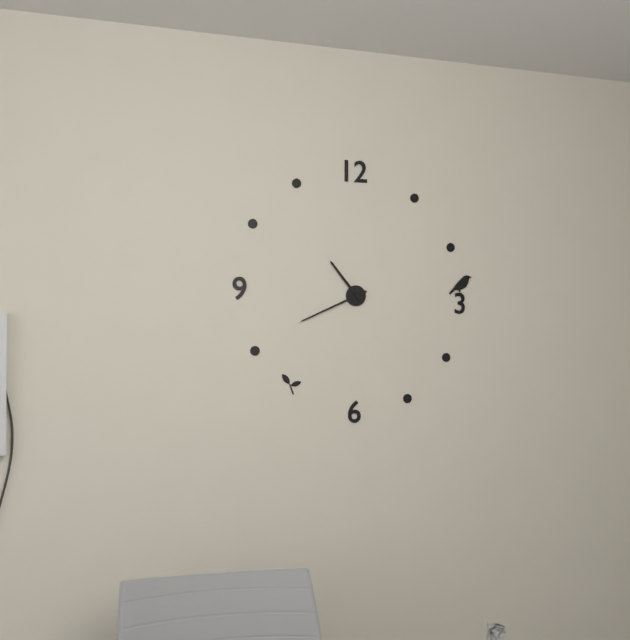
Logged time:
h=10 m=41
